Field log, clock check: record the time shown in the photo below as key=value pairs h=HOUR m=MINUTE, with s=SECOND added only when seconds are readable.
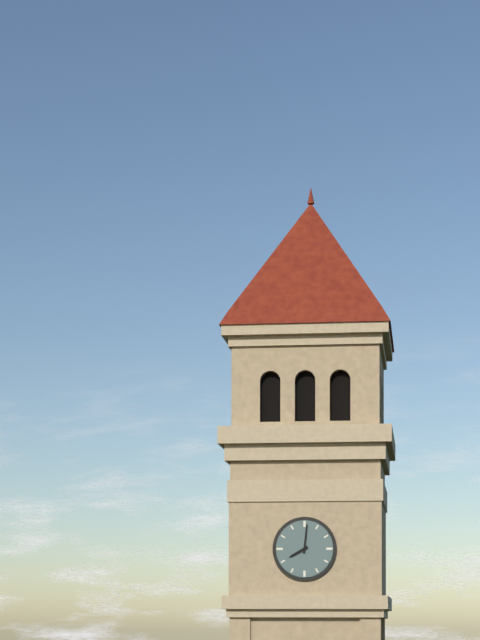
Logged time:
h=8 m=1
